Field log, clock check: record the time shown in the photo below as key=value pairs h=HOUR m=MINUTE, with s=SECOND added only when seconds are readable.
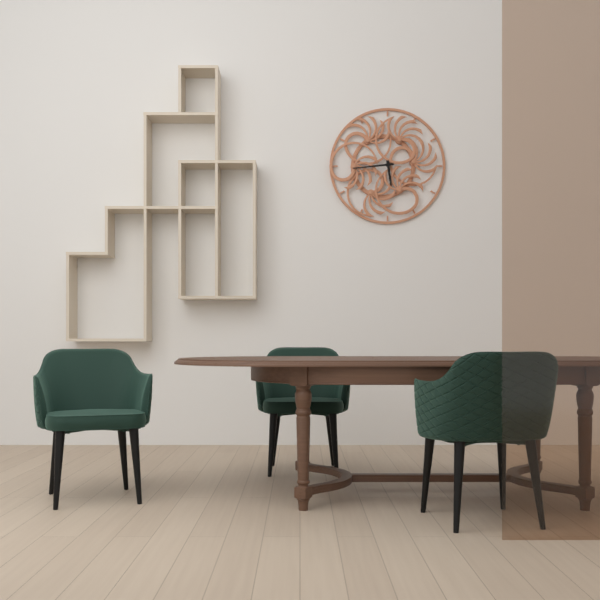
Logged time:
h=5 m=44
